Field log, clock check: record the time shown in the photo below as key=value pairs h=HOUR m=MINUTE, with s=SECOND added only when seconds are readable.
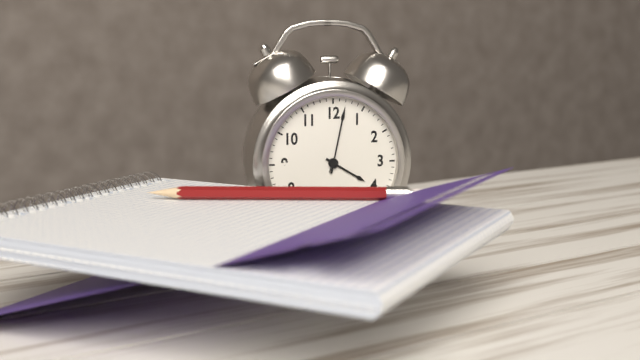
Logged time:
h=4 m=2
